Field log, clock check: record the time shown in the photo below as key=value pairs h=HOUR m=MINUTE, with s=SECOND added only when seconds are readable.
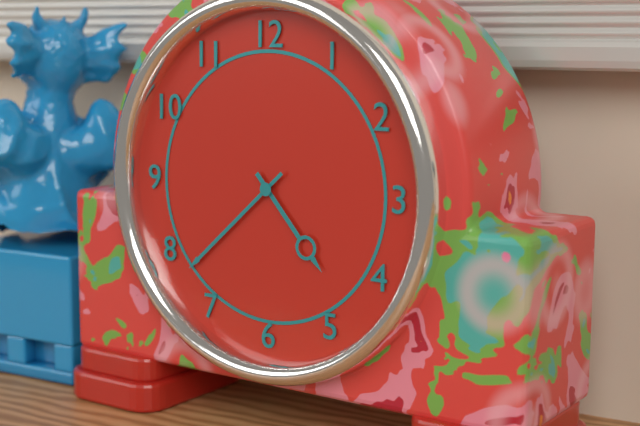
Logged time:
h=4 m=38
